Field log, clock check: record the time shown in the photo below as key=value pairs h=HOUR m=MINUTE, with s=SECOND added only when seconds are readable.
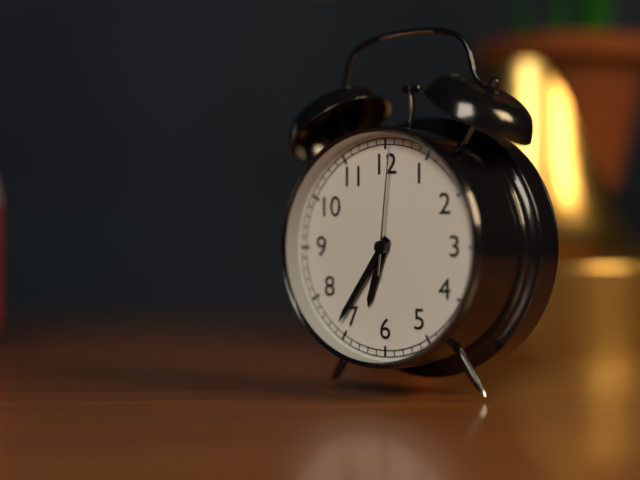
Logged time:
h=6 m=36 s=1
